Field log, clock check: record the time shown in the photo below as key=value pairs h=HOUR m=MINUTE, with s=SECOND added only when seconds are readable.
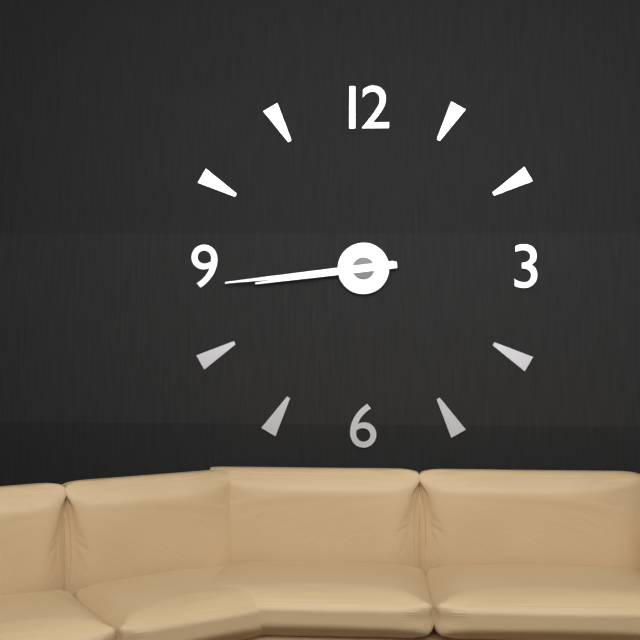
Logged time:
h=8 m=44
